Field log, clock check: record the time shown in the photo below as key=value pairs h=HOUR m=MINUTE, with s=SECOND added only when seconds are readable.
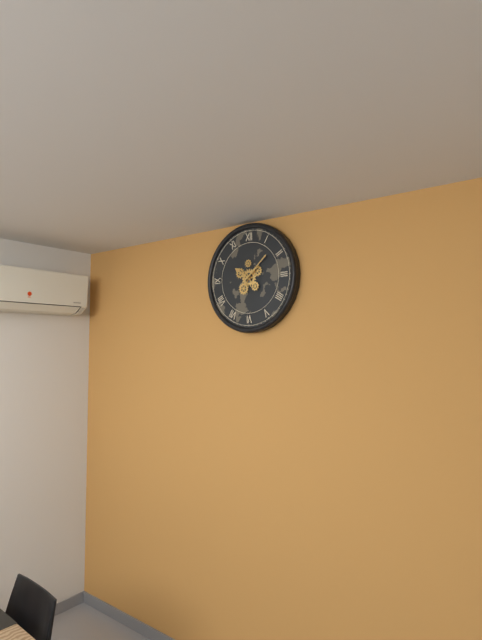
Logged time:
h=10 m=8
